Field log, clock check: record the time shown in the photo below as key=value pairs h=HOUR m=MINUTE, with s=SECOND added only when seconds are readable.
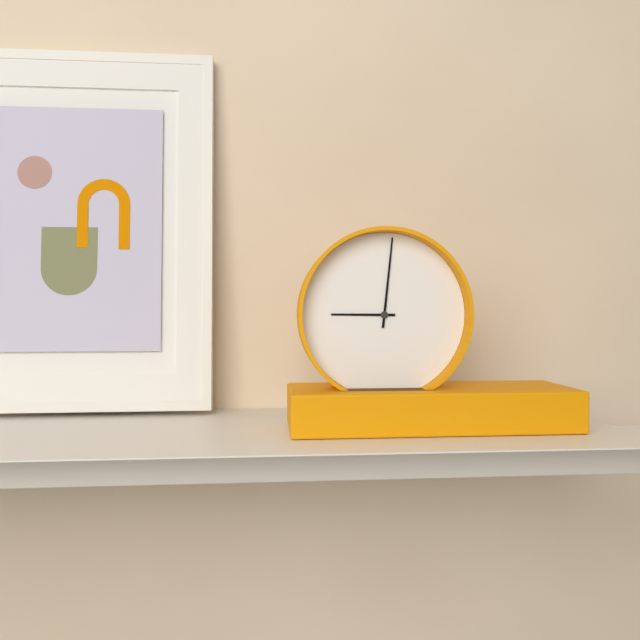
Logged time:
h=9 m=1
